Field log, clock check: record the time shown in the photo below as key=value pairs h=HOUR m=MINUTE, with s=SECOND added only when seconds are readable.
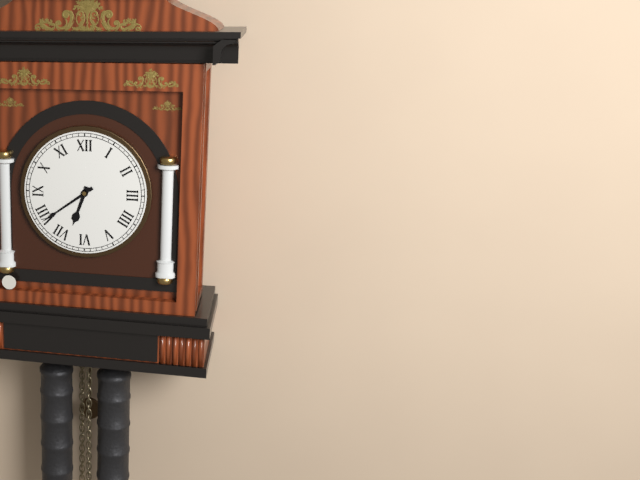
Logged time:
h=6 m=39
